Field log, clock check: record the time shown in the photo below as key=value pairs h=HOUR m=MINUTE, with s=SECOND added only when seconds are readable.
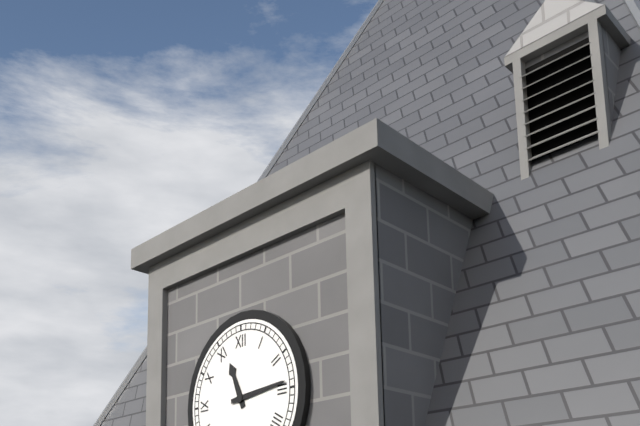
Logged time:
h=11 m=14
